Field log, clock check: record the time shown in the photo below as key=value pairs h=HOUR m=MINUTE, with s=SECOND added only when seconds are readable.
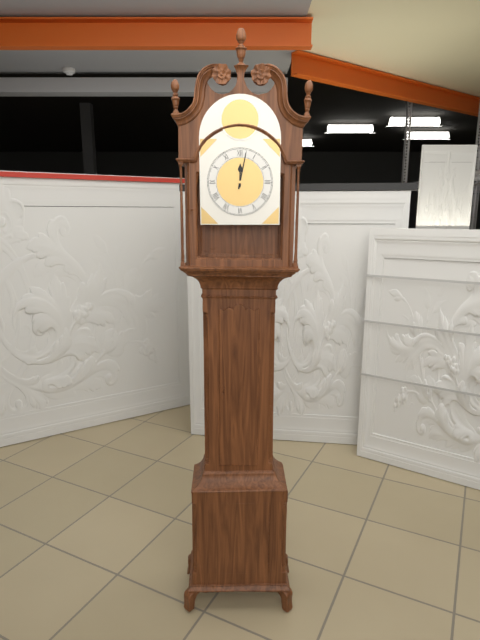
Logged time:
h=12 m=2
